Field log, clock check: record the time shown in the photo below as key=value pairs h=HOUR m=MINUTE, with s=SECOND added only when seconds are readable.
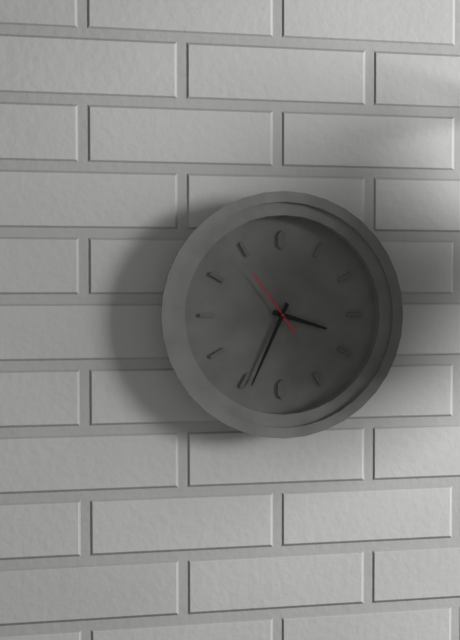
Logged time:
h=3 m=34 s=54
